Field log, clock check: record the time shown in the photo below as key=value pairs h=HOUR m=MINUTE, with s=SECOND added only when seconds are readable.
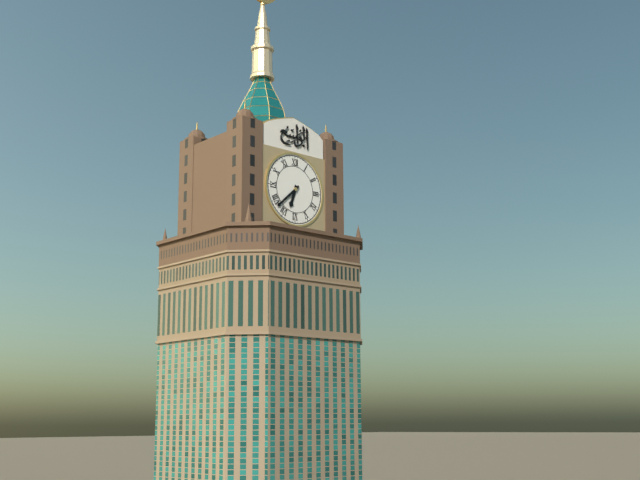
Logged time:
h=6 m=38
